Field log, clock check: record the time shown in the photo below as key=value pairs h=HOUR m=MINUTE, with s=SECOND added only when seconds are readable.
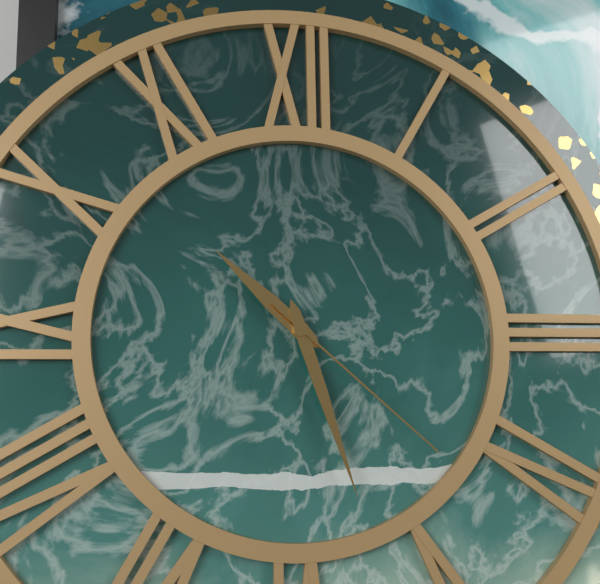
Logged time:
h=10 m=27 s=22
